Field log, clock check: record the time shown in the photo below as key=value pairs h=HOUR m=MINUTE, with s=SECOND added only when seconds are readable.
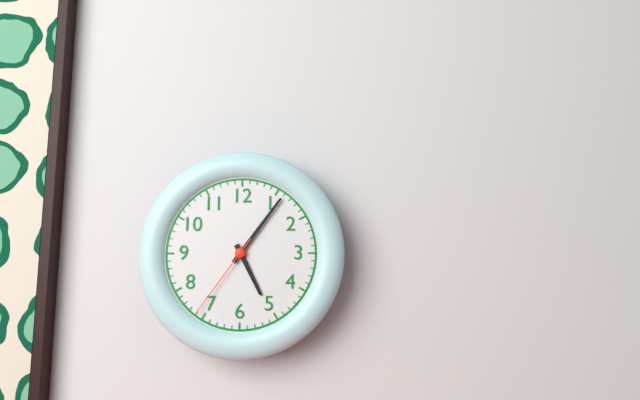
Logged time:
h=5 m=6 s=36
